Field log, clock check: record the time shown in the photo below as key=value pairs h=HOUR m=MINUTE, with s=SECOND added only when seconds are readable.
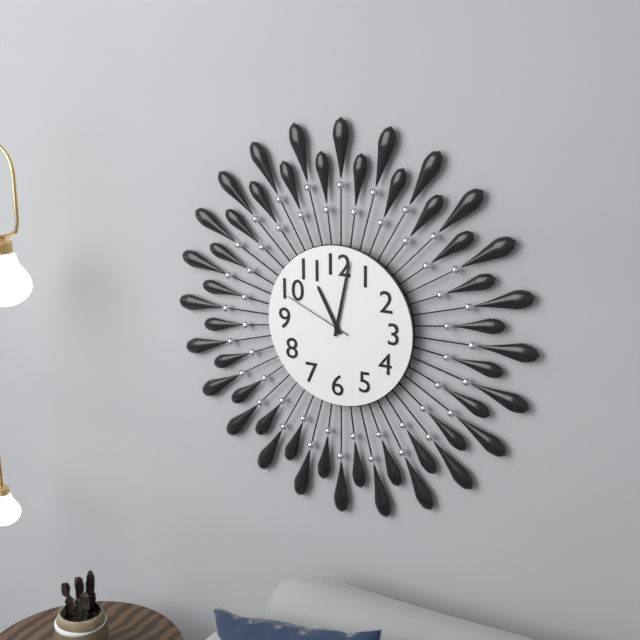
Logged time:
h=11 m=2 s=49
